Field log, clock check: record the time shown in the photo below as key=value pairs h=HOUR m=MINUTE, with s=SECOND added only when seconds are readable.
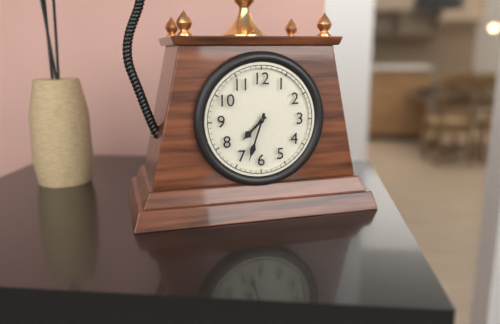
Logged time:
h=7 m=33
